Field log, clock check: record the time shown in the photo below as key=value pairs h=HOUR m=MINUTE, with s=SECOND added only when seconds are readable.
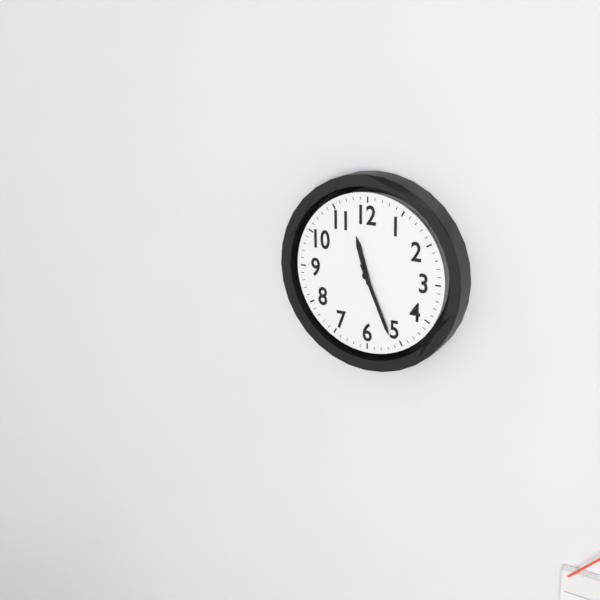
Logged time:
h=11 m=26
